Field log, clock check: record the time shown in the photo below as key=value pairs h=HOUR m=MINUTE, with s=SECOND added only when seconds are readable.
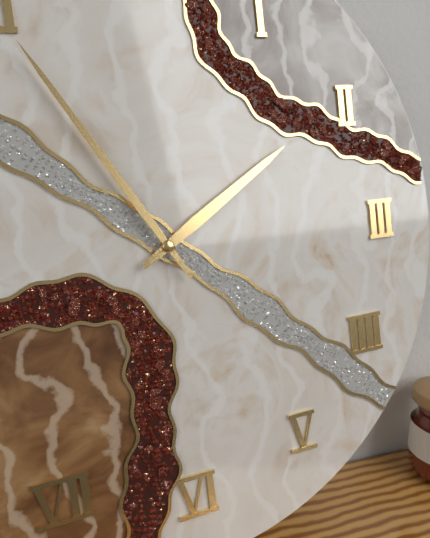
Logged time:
h=1 m=55
